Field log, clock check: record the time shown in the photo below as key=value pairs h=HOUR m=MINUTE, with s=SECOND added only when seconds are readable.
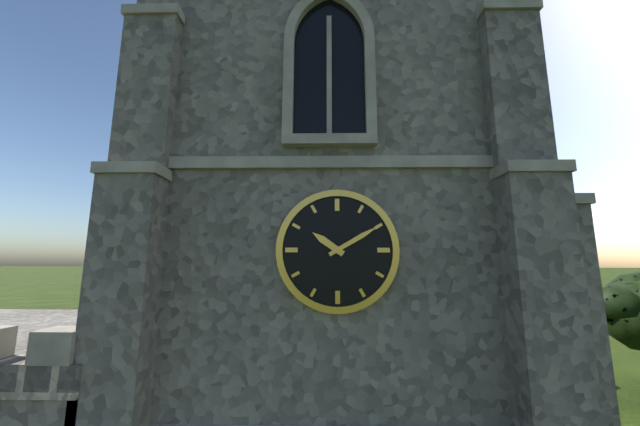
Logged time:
h=10 m=10
